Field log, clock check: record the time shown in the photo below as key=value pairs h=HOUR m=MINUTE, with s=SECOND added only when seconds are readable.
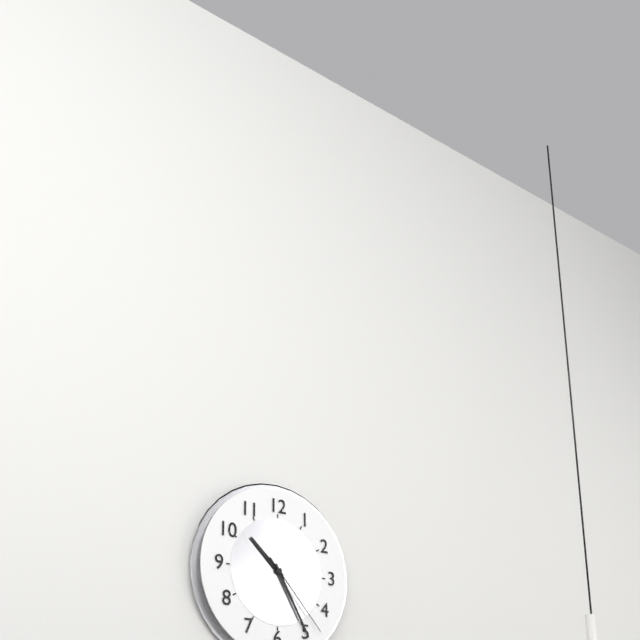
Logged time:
h=10 m=25 s=23
